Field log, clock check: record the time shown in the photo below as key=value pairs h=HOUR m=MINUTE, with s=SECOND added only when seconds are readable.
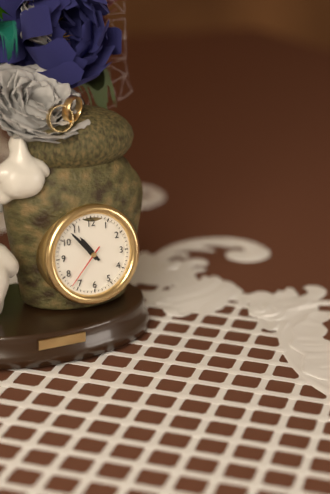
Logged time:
h=10 m=53
